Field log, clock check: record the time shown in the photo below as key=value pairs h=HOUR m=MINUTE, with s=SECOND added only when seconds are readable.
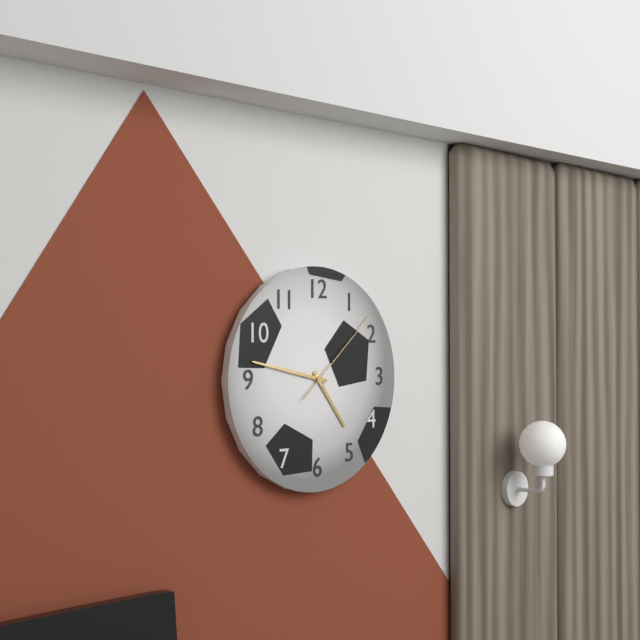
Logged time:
h=4 m=47 s=8
